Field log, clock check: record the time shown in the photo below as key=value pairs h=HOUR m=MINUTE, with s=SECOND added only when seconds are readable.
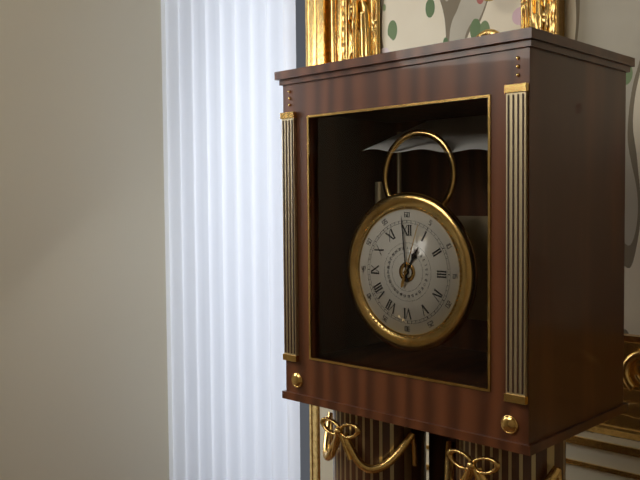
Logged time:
h=12 m=59 s=3
